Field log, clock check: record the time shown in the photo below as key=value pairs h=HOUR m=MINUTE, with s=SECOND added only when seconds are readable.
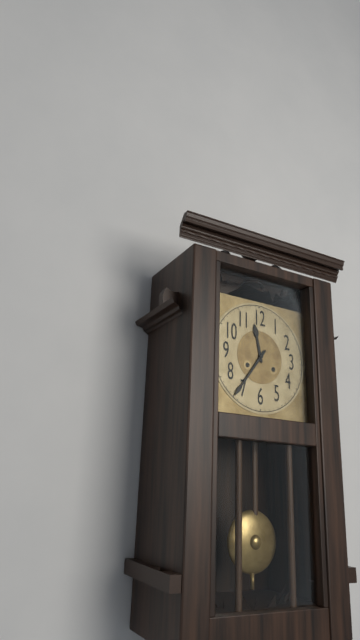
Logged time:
h=11 m=36
